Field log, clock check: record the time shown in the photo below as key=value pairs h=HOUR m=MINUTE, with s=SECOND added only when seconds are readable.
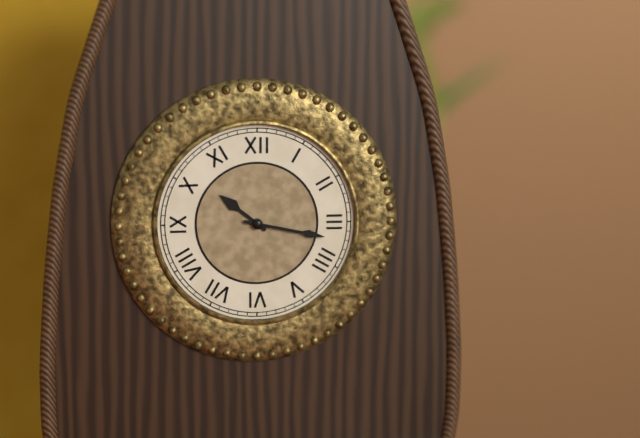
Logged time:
h=10 m=17
